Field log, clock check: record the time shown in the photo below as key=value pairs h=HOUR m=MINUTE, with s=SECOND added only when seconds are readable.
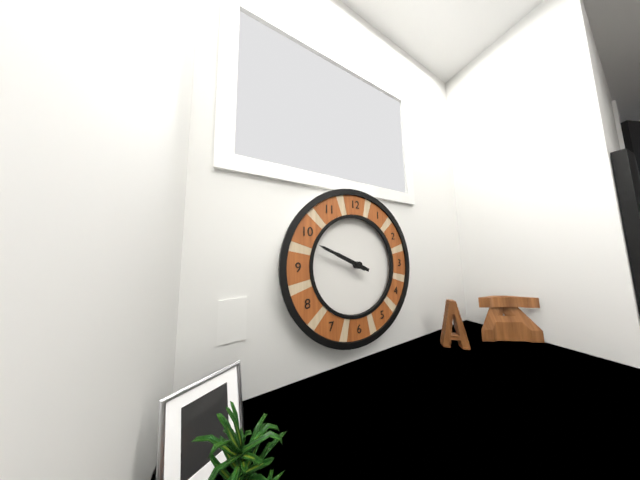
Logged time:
h=9 m=49
